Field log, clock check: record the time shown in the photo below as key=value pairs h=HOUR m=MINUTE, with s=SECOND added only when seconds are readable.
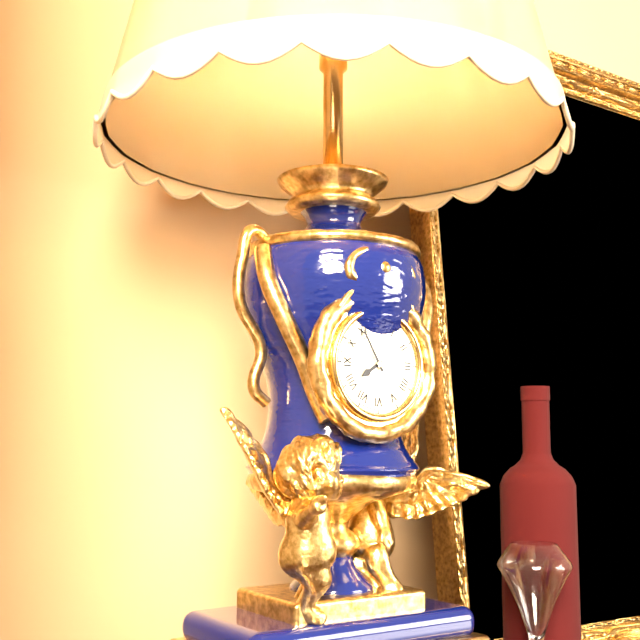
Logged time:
h=7 m=55
